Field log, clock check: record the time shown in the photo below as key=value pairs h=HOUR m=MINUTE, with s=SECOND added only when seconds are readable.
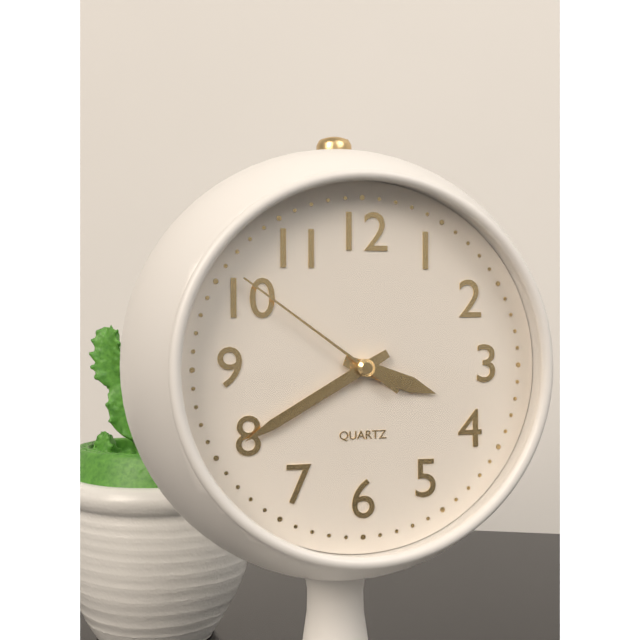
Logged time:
h=3 m=40 s=51
